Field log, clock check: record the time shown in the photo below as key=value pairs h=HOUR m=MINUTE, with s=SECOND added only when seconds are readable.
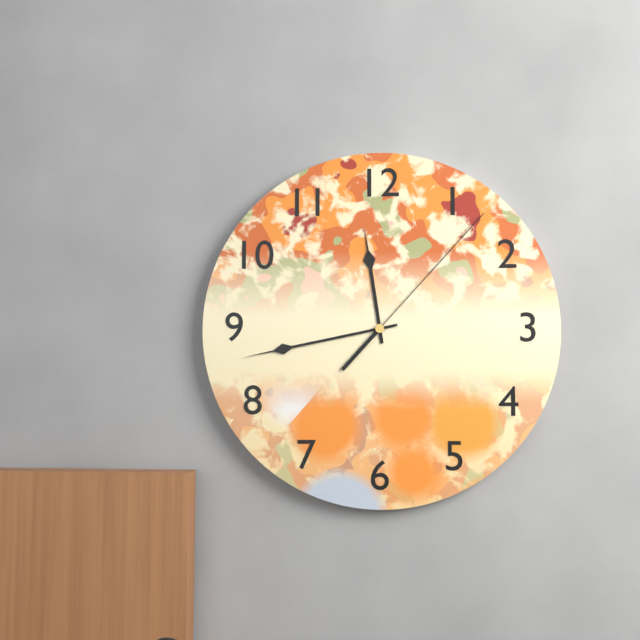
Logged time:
h=11 m=43 s=7
